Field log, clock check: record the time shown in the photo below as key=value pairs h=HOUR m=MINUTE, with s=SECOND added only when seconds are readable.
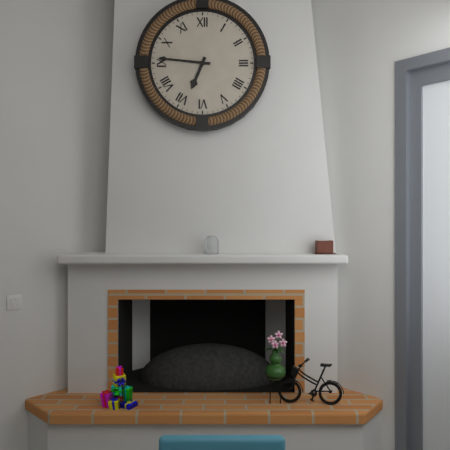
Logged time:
h=6 m=46
